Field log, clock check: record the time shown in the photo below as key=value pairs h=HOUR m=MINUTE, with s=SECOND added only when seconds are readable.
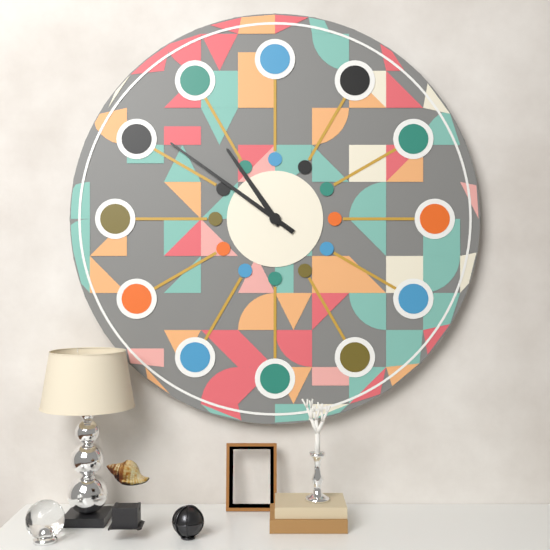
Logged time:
h=10 m=51
